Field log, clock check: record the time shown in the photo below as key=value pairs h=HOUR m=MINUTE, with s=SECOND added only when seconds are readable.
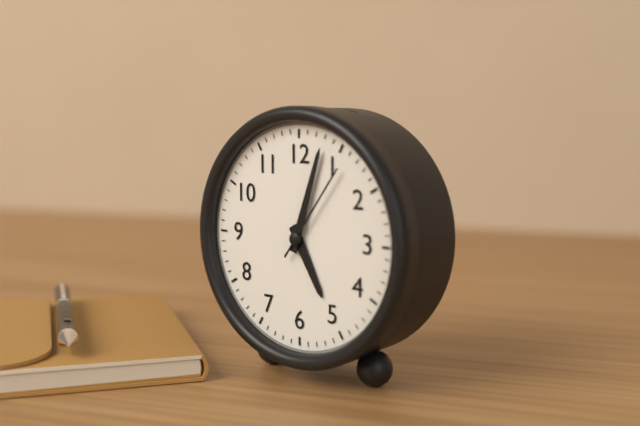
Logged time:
h=5 m=3 s=6
